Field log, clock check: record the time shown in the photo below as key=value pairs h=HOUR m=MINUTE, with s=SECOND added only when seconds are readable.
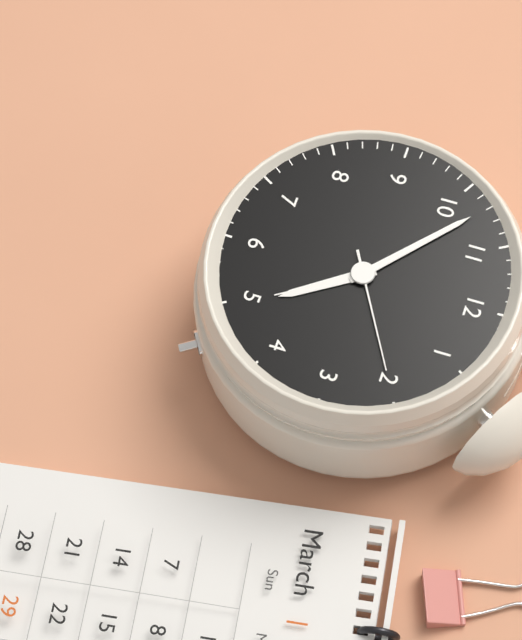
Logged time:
h=4 m=52 s=10
